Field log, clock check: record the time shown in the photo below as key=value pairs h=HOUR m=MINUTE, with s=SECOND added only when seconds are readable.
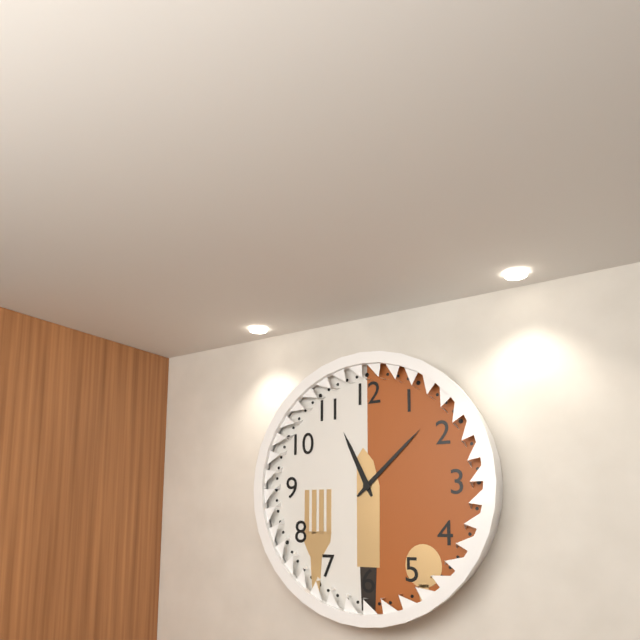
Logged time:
h=11 m=8
